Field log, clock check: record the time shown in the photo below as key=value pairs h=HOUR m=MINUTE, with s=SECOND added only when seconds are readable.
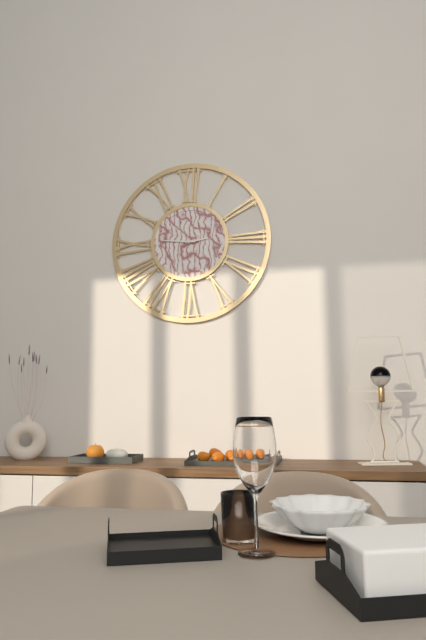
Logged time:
h=2 m=46
